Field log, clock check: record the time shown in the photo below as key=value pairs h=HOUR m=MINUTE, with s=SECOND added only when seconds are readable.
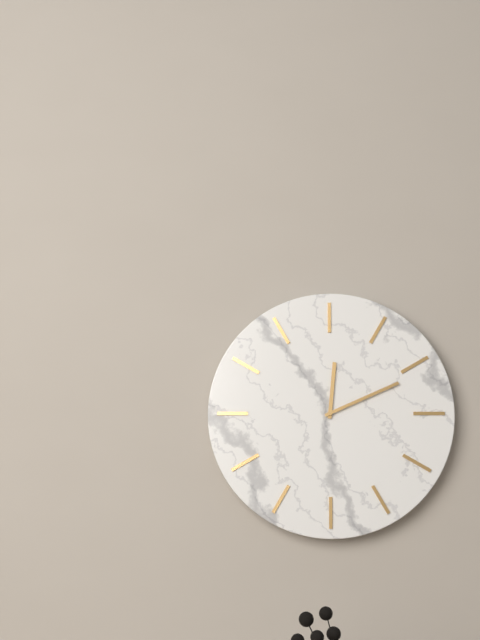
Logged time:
h=12 m=11
